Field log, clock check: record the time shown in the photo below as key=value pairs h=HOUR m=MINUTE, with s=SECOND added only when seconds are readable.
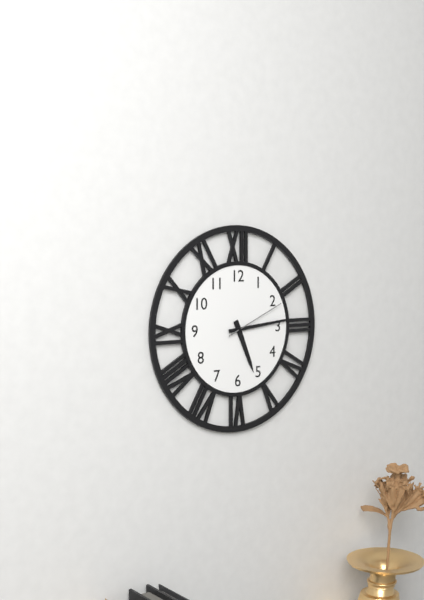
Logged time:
h=5 m=14 s=11
